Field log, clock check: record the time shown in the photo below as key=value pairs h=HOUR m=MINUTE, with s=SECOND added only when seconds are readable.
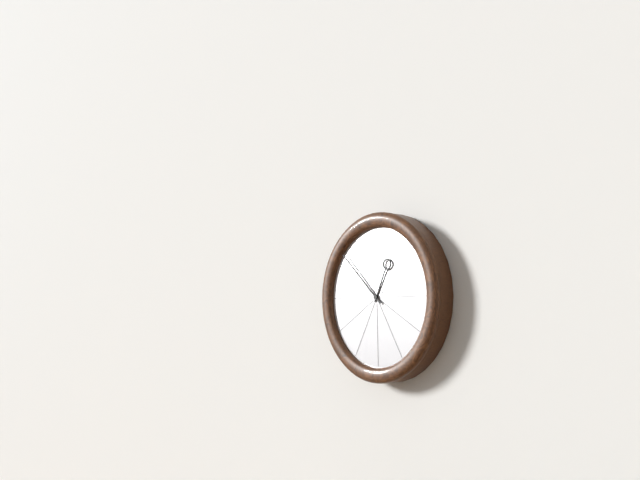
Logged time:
h=12 m=52
